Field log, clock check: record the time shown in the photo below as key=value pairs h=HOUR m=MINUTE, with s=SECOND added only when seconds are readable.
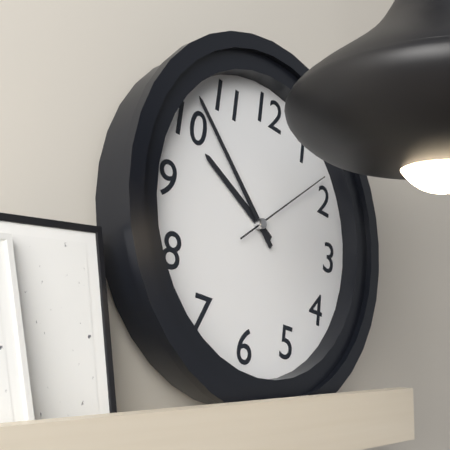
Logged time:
h=9 m=52 s=8
